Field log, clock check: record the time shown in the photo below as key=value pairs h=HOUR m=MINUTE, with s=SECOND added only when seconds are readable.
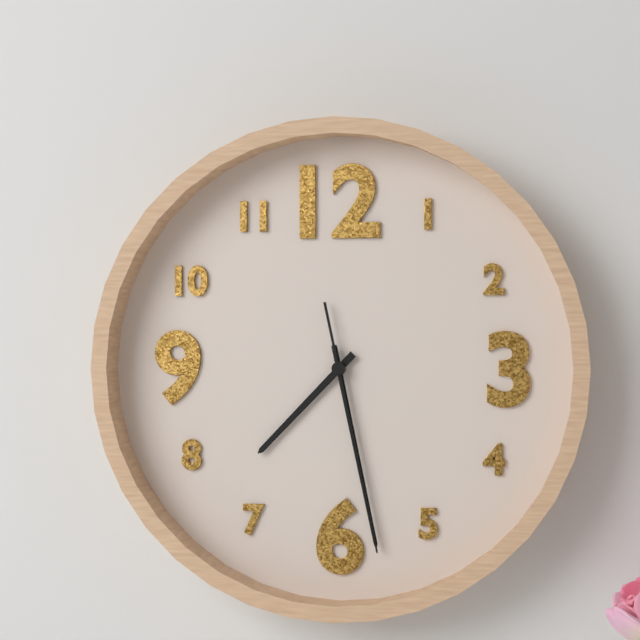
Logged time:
h=7 m=28 s=28
